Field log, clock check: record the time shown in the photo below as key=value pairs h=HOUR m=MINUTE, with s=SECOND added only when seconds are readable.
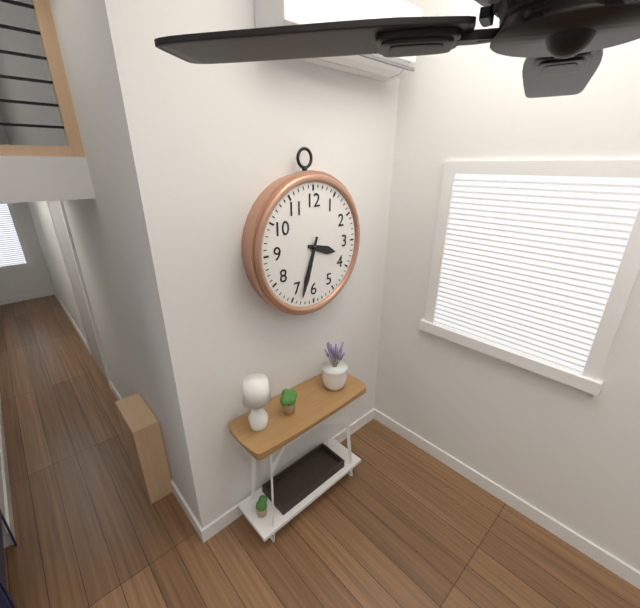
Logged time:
h=3 m=33
